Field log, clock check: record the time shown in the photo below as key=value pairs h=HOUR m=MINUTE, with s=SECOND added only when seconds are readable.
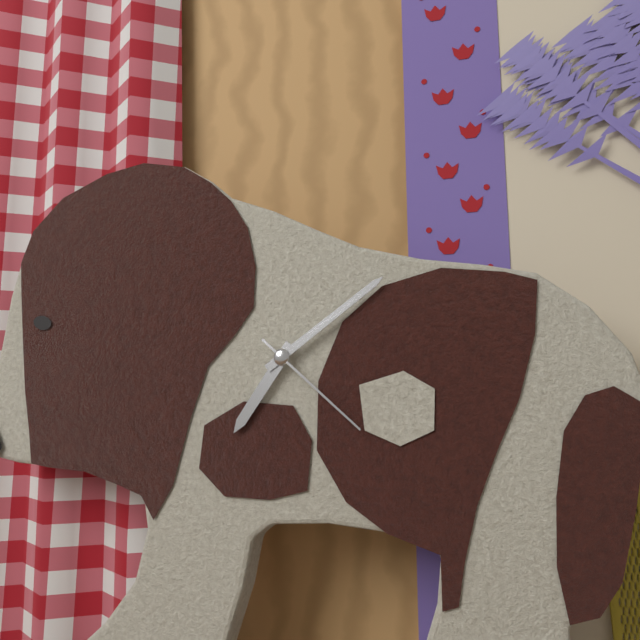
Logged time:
h=7 m=9 s=22
